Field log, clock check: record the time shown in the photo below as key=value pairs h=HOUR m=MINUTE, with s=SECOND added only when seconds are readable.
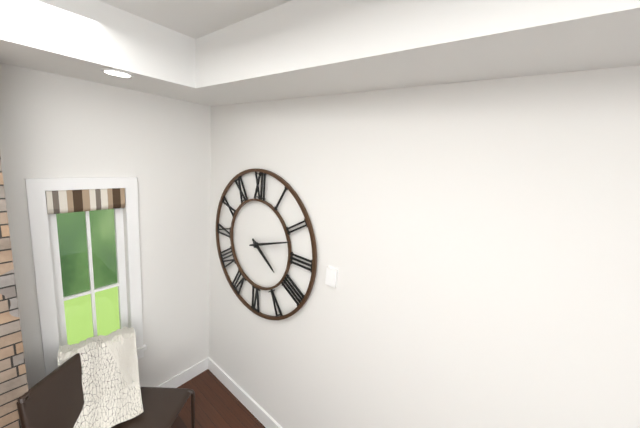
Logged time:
h=4 m=12
